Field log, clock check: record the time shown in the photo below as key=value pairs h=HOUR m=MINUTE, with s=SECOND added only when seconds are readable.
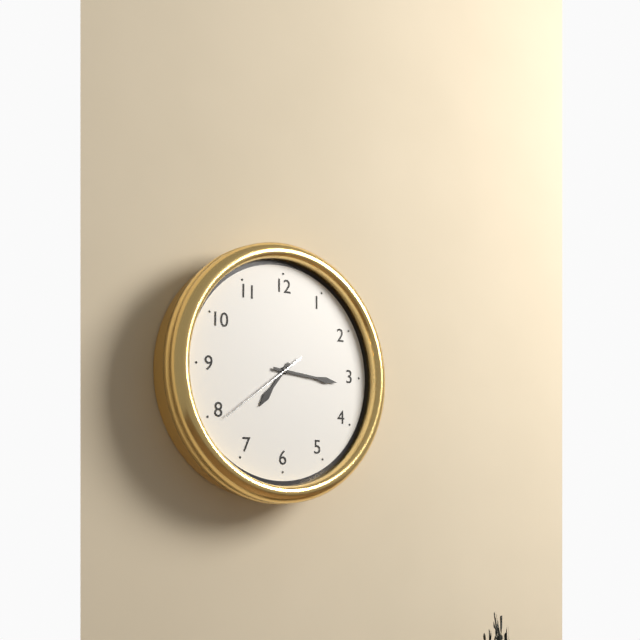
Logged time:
h=7 m=16 s=39
